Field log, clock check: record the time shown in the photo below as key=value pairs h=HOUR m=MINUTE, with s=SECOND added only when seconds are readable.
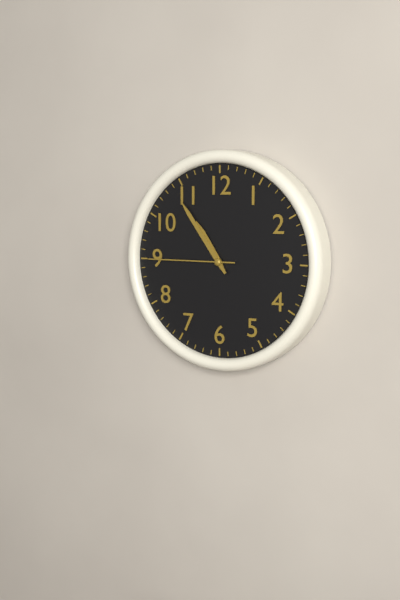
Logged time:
h=10 m=54 s=45
